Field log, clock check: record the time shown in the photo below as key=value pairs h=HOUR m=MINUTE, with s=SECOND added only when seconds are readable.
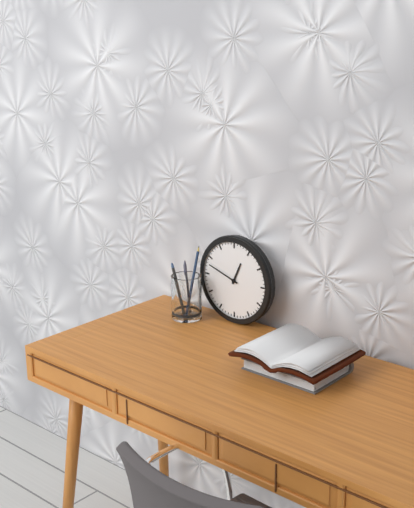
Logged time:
h=12 m=48
